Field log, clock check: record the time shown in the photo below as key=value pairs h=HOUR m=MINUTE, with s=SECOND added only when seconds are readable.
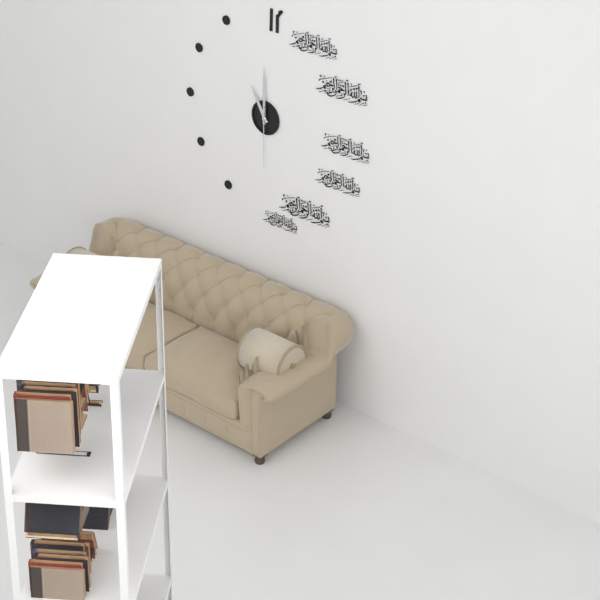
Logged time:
h=11 m=0 s=30
